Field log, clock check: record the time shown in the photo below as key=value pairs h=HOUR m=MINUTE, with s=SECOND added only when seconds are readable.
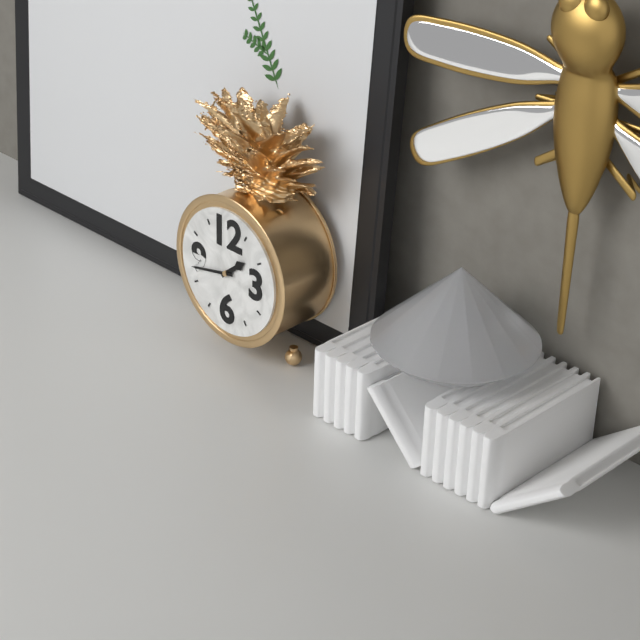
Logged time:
h=1 m=43
